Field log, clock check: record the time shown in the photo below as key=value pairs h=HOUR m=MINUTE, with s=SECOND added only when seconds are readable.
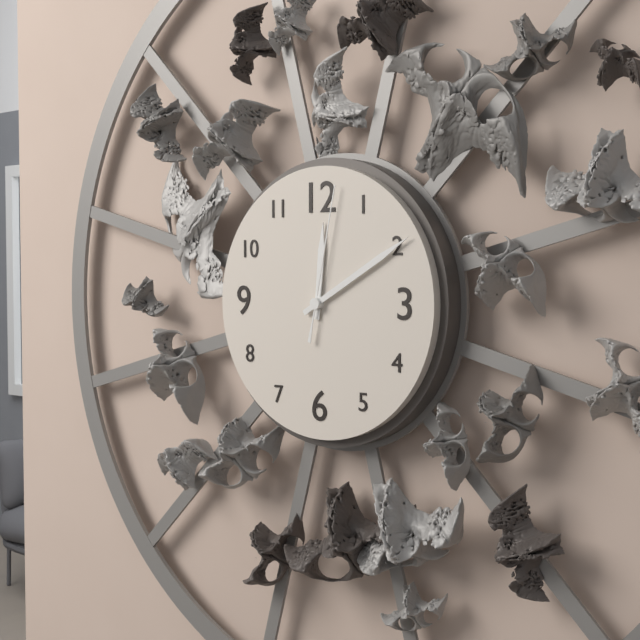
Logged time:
h=12 m=10 s=2
